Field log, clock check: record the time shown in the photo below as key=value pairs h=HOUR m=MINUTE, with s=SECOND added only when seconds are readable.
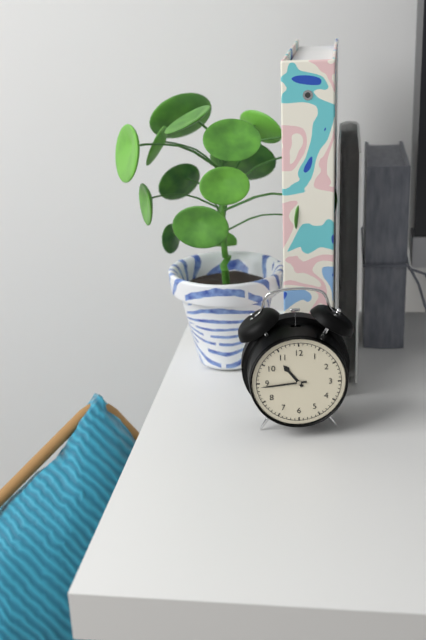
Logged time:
h=10 m=44
